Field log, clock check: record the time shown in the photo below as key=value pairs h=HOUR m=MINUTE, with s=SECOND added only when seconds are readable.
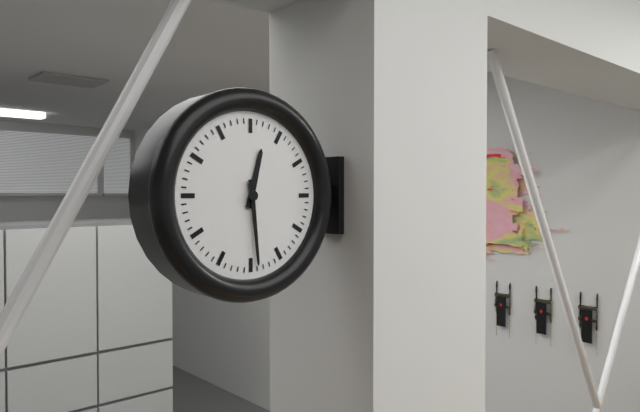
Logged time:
h=12 m=29
